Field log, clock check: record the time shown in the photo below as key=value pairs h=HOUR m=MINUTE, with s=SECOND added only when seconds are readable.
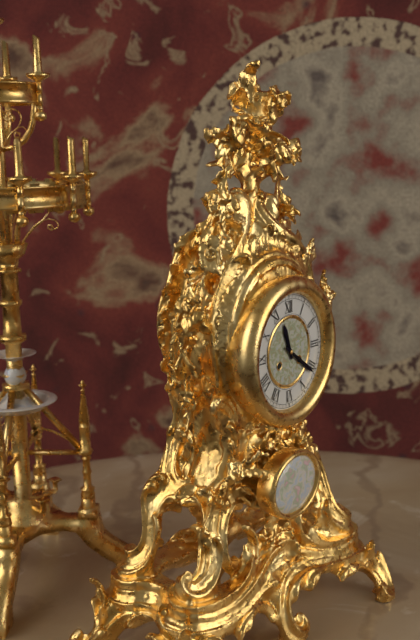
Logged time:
h=11 m=21
